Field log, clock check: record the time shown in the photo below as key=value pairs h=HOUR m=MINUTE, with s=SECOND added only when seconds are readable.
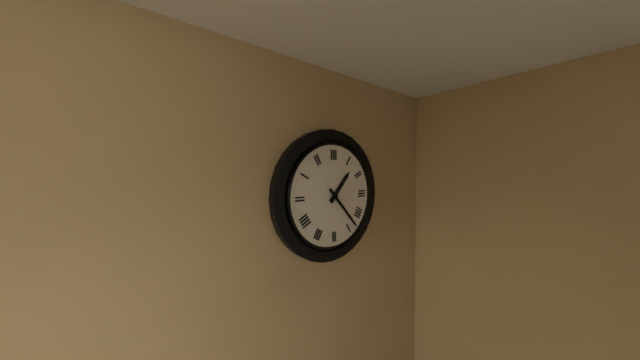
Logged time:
h=1 m=23
